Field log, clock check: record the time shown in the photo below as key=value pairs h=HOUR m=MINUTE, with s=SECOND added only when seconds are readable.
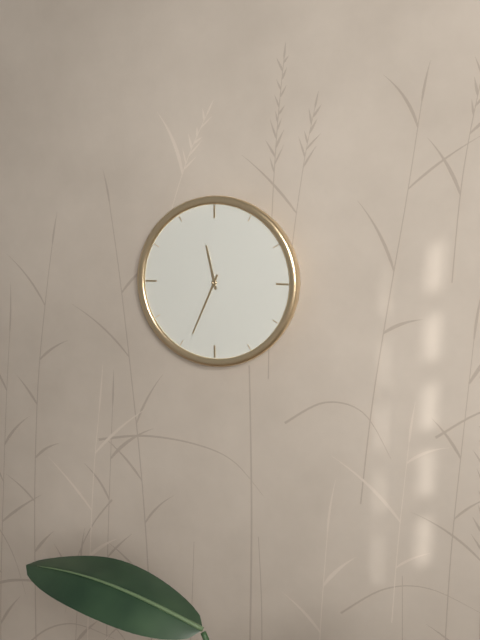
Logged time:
h=11 m=34
